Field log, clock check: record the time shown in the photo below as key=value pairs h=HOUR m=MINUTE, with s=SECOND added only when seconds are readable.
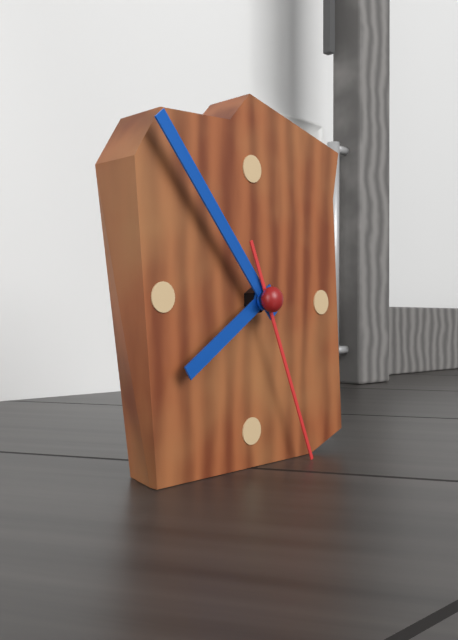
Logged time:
h=7 m=53 s=26
